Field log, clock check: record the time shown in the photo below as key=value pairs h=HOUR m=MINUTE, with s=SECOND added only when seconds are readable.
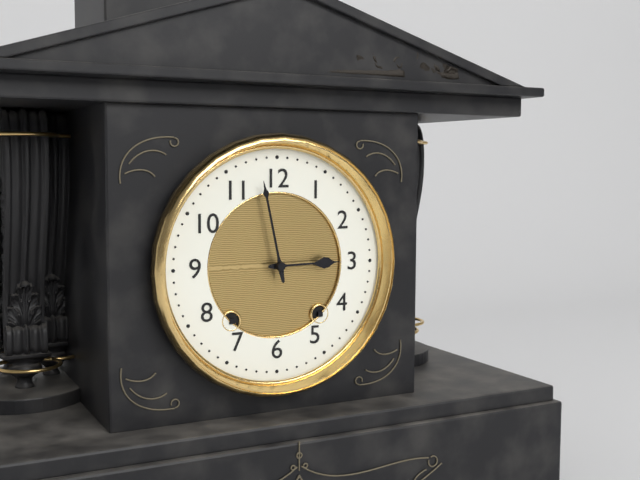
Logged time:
h=2 m=58
